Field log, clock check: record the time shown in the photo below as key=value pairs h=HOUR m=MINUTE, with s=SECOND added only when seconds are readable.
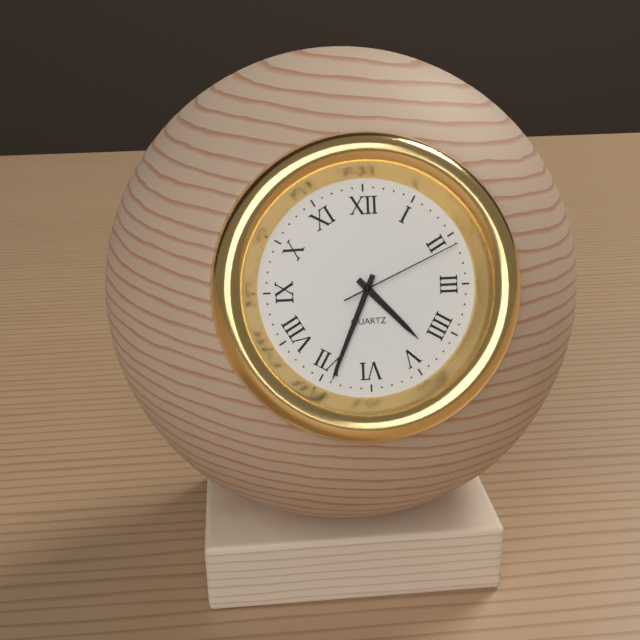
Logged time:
h=4 m=34 s=11
